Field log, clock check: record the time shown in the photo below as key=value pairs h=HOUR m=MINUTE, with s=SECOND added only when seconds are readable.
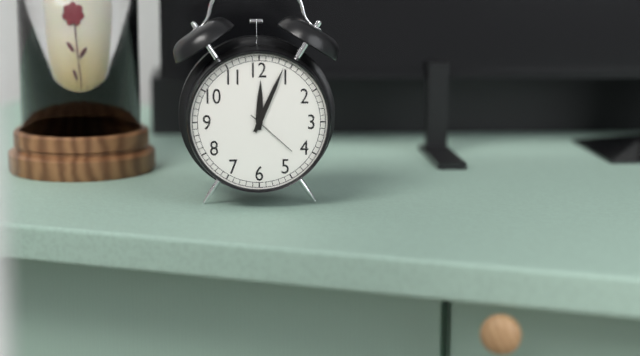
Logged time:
h=12 m=4 s=22
